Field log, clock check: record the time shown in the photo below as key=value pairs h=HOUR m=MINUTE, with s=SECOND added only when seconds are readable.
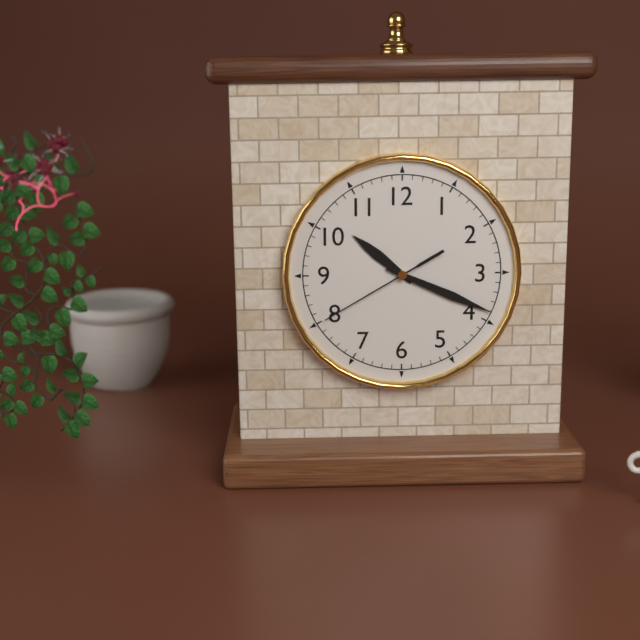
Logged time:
h=10 m=19 s=40
